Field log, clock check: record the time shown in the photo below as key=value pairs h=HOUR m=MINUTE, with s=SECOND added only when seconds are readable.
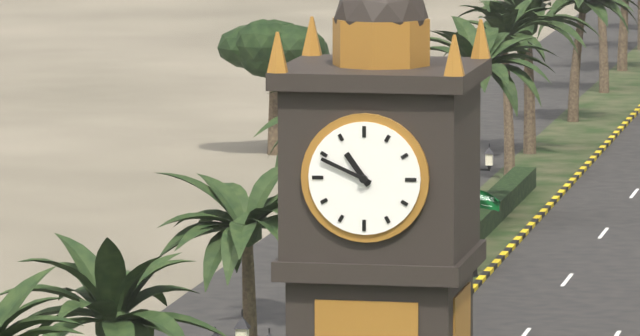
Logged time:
h=10 m=49
